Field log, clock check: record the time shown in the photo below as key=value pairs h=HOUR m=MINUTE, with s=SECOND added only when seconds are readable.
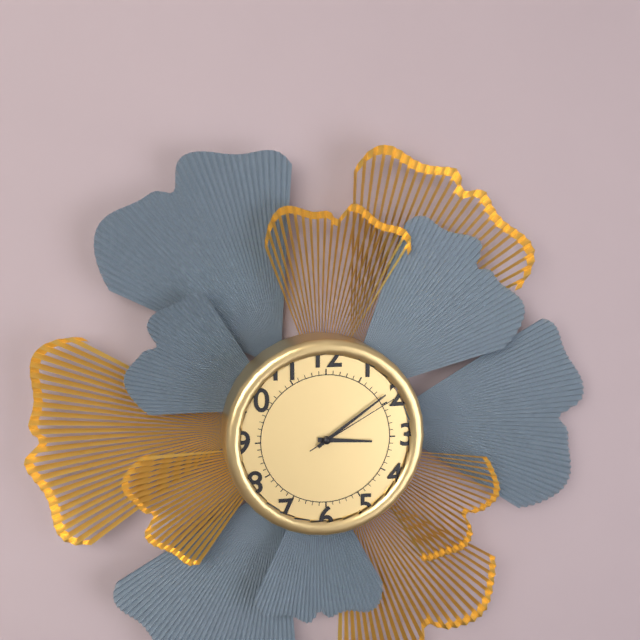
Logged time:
h=3 m=9 s=10
